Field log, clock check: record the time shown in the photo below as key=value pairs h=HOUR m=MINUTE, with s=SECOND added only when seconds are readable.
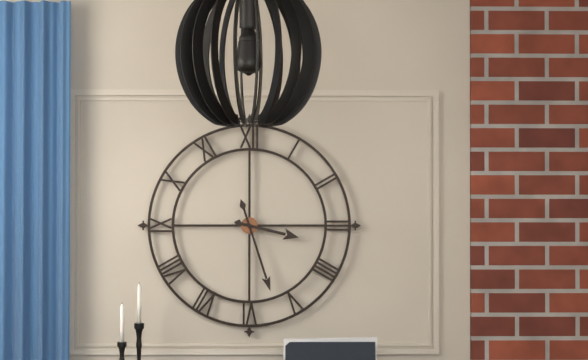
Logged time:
h=3 m=27
